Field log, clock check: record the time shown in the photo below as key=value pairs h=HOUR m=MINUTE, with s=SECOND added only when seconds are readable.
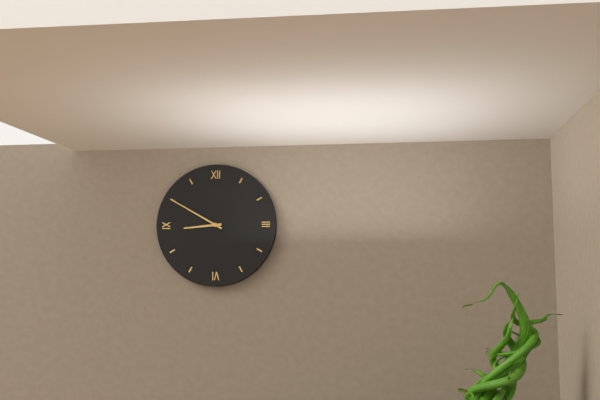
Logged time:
h=8 m=50
